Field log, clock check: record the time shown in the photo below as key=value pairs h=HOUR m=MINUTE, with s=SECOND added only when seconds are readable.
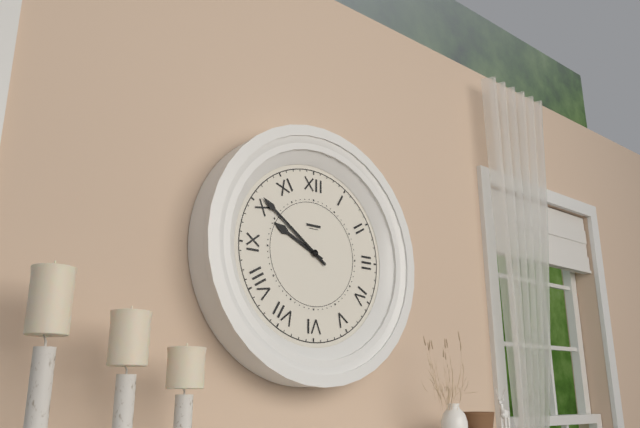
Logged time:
h=9 m=51
